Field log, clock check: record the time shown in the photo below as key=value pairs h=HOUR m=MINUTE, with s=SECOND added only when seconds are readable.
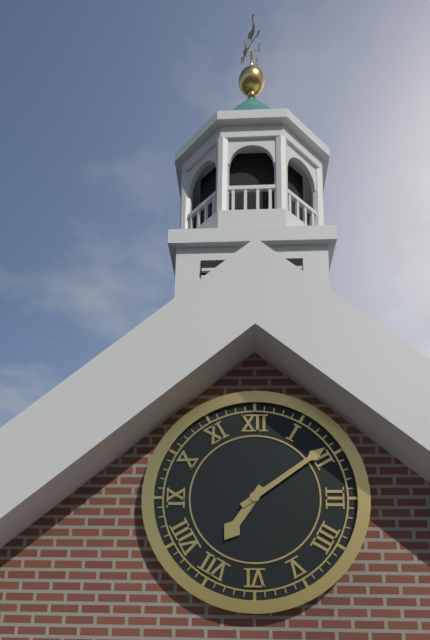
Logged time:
h=7 m=9
